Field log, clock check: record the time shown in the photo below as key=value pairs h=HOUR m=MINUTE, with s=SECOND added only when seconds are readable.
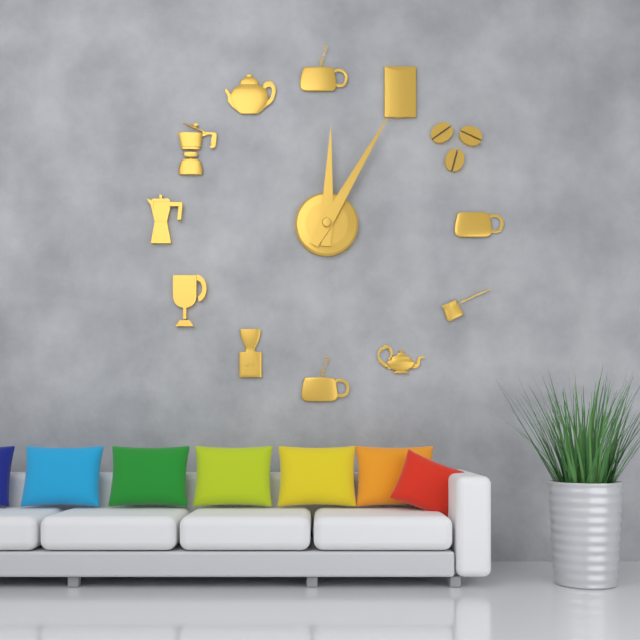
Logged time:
h=12 m=5
